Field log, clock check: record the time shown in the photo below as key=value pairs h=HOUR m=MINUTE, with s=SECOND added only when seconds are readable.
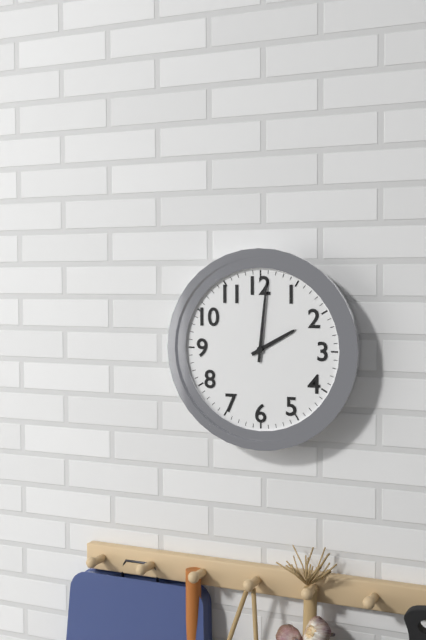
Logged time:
h=2 m=1
